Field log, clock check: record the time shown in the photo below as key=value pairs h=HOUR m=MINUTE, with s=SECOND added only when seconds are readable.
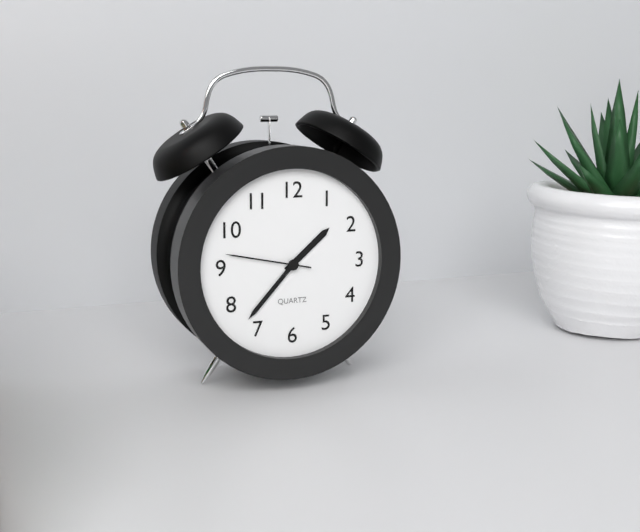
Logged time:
h=1 m=37 s=47
